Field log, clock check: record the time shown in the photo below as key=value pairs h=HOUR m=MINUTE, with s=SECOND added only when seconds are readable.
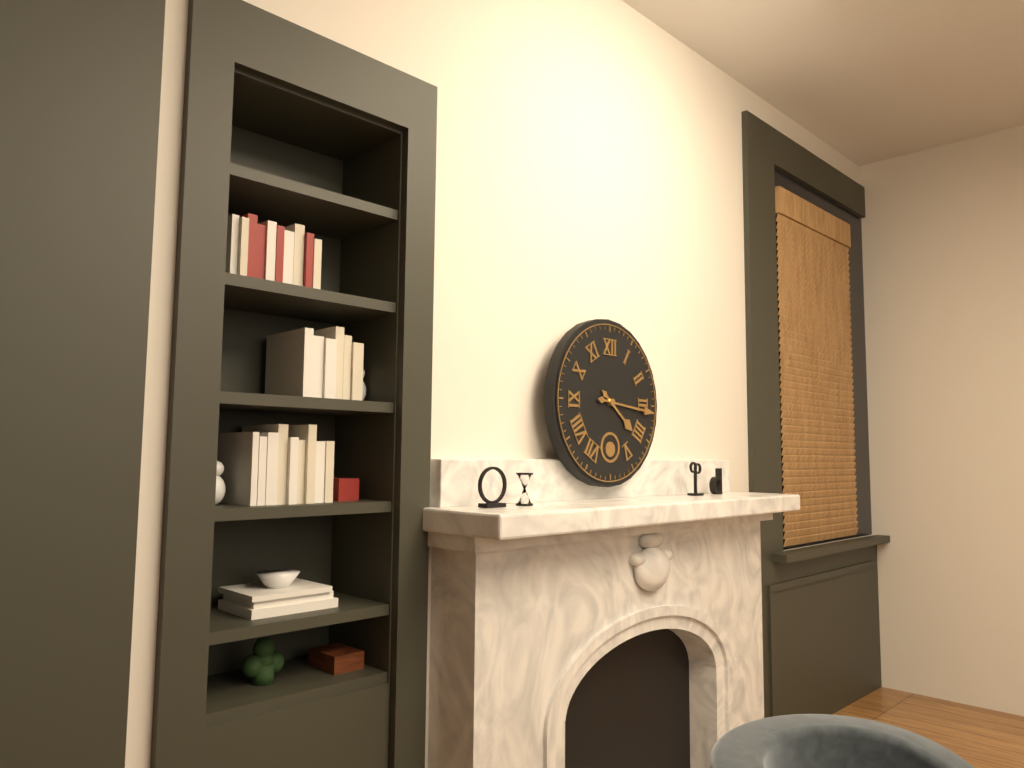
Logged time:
h=4 m=16
